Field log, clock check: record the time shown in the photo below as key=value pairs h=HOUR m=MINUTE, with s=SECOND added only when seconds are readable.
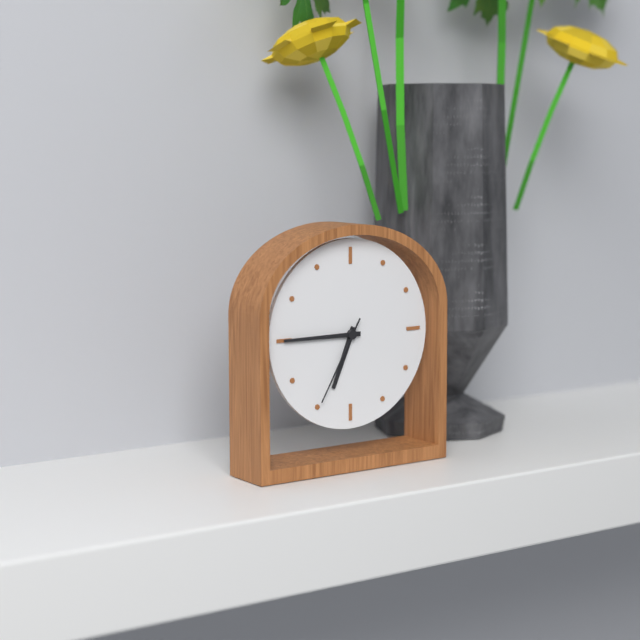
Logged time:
h=6 m=45 s=35
